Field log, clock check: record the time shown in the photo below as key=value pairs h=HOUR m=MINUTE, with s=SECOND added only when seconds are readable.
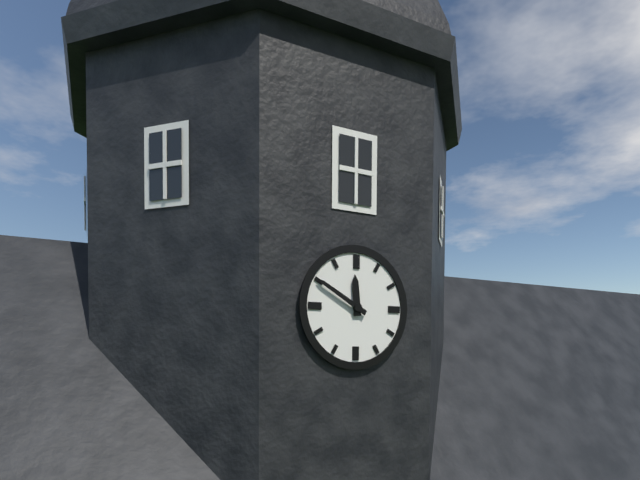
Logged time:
h=11 m=50
